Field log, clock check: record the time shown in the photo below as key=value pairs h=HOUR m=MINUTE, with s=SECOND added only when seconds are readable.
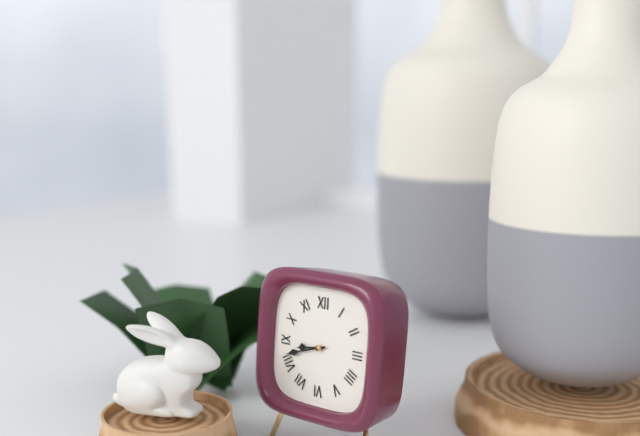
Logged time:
h=8 m=42
